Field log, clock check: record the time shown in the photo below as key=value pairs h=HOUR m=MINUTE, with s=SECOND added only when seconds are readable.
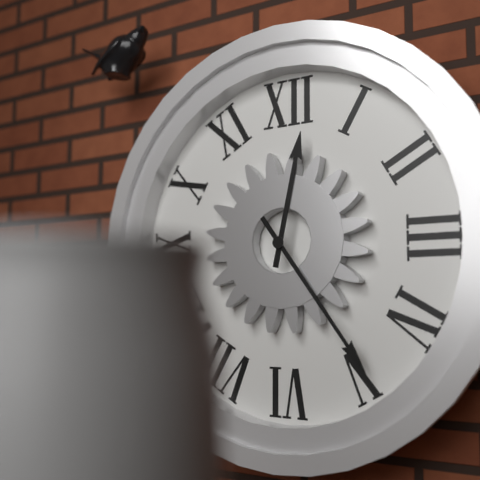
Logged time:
h=12 m=24
